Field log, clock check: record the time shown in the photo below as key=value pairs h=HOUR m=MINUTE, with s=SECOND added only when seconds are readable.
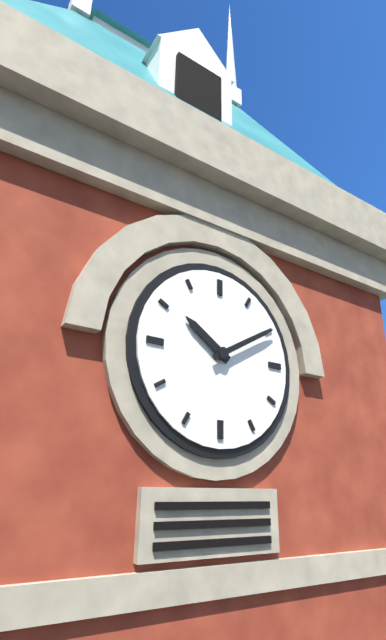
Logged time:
h=10 m=10
